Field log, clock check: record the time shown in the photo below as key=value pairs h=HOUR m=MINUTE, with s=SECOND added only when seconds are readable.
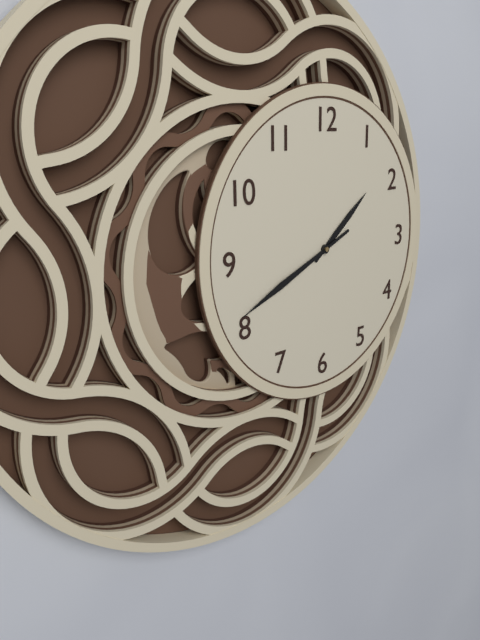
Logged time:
h=1 m=41
